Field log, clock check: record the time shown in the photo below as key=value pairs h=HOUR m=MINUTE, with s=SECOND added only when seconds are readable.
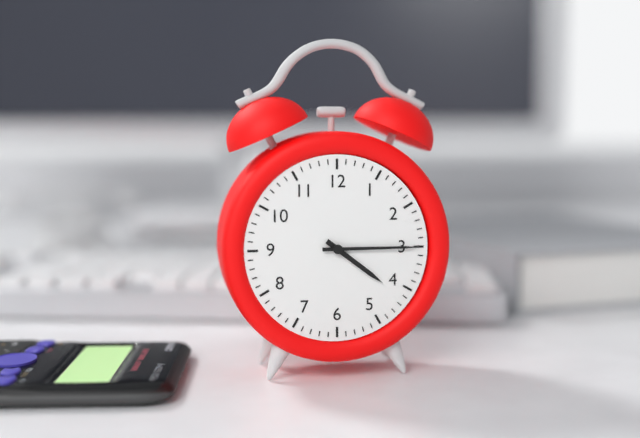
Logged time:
h=4 m=15
